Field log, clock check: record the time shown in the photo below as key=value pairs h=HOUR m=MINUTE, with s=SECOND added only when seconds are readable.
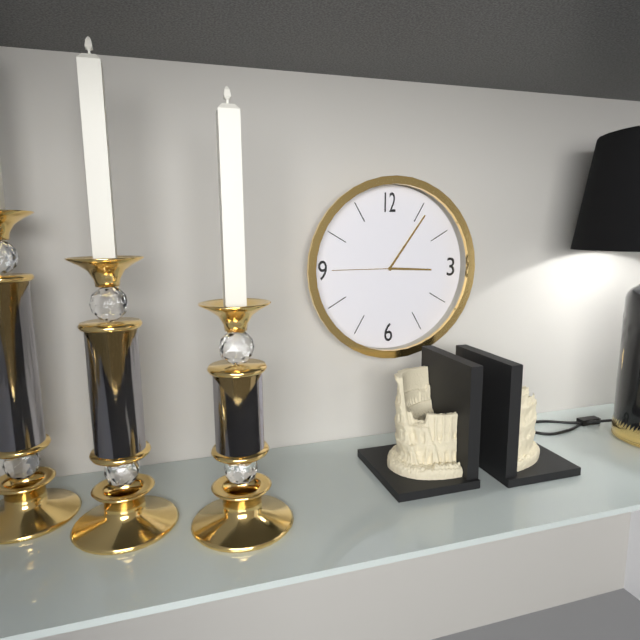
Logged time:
h=3 m=6 s=45
